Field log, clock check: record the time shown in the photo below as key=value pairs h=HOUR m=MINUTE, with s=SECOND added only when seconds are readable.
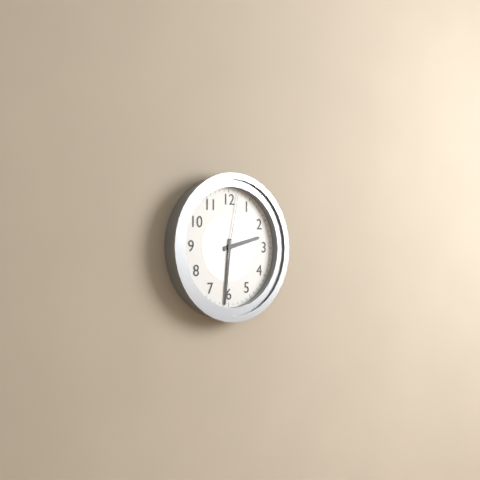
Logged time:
h=2 m=31 s=2
